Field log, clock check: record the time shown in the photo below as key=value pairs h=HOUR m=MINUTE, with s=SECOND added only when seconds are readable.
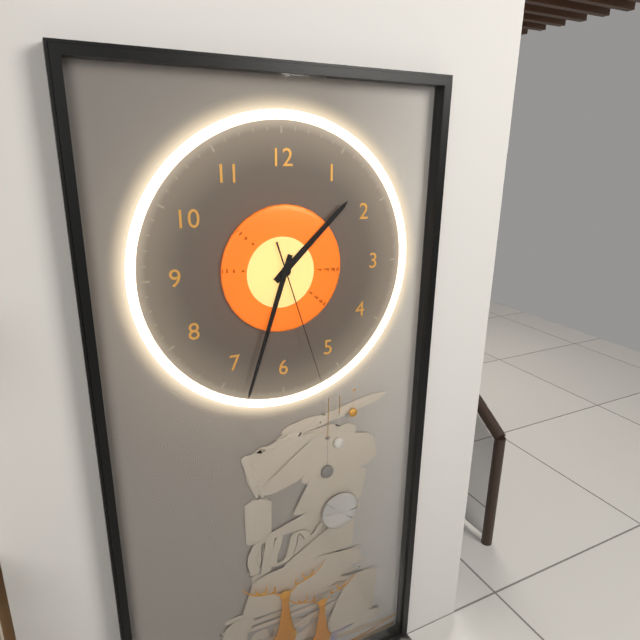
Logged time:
h=1 m=33 s=27
